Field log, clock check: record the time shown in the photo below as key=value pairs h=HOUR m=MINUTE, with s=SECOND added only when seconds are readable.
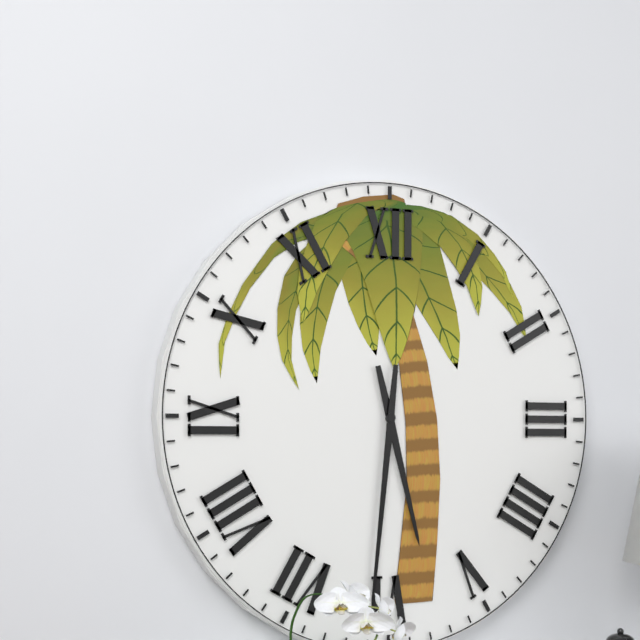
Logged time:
h=5 m=31
